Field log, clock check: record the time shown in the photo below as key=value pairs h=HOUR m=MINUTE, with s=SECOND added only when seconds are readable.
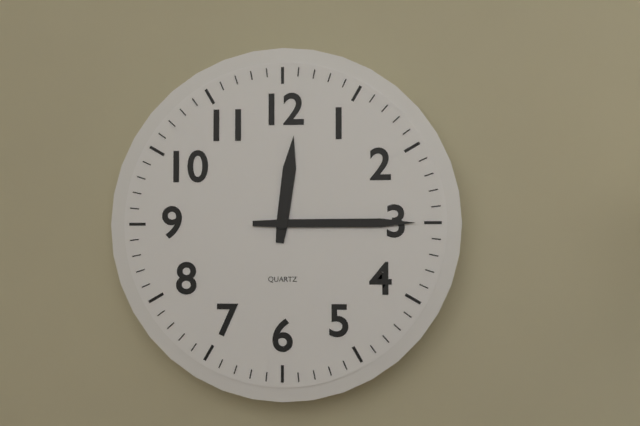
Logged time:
h=12 m=15
